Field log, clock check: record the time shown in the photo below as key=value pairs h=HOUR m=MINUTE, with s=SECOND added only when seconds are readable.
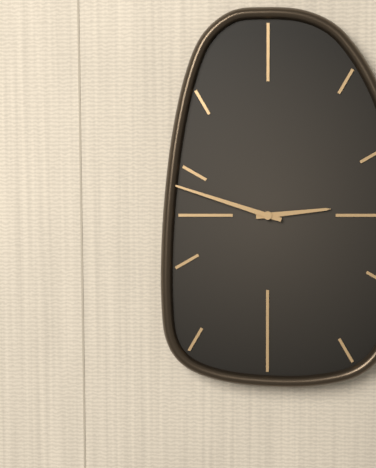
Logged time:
h=2 m=48
